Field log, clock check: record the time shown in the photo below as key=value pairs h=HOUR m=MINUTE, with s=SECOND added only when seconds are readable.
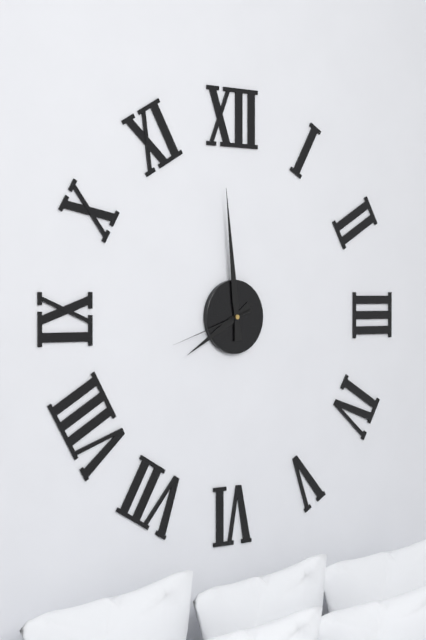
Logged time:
h=7 m=59 s=42
